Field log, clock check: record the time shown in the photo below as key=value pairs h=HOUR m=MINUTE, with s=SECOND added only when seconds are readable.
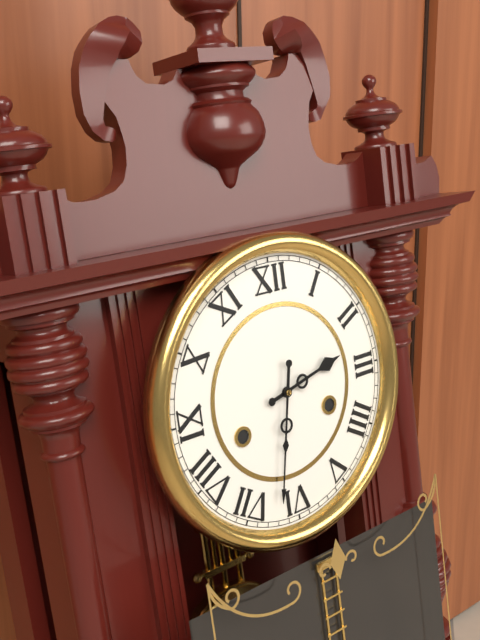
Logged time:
h=2 m=32
